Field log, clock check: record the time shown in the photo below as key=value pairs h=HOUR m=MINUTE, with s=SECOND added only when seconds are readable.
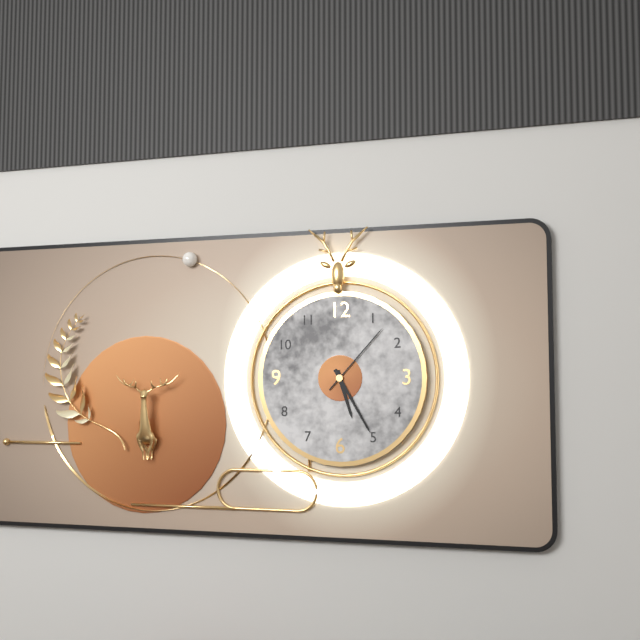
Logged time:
h=5 m=25 s=7
